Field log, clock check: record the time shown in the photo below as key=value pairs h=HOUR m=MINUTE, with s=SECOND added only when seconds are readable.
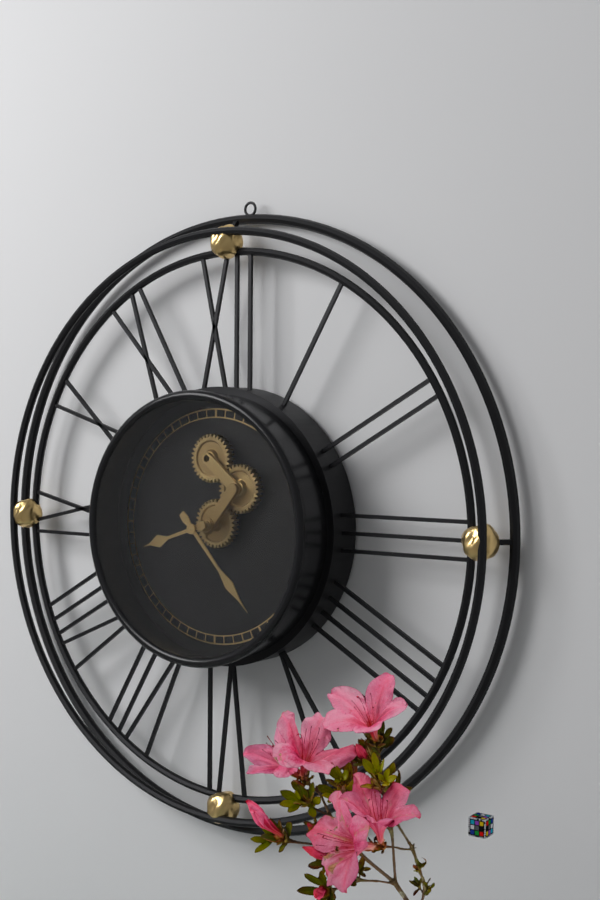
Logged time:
h=8 m=23
